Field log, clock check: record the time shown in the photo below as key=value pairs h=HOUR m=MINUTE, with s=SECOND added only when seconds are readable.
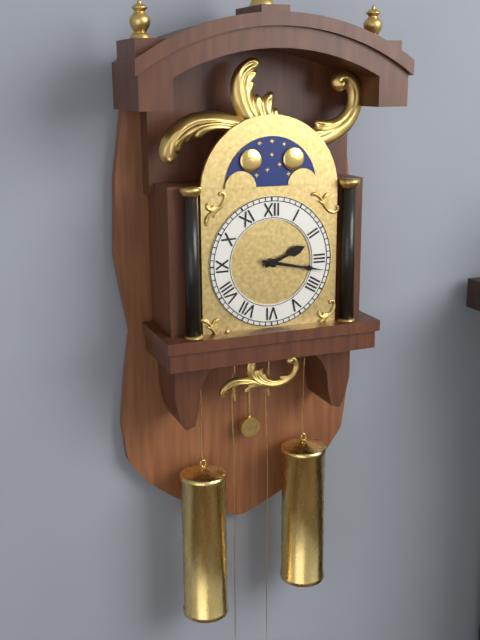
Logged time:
h=2 m=17
